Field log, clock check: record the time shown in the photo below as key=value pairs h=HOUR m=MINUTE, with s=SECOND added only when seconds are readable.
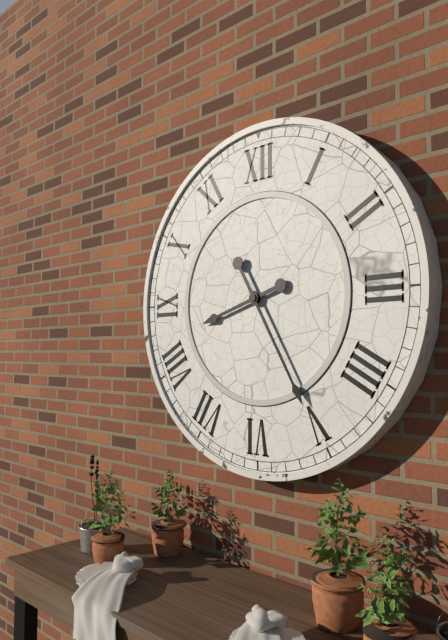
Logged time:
h=8 m=25
